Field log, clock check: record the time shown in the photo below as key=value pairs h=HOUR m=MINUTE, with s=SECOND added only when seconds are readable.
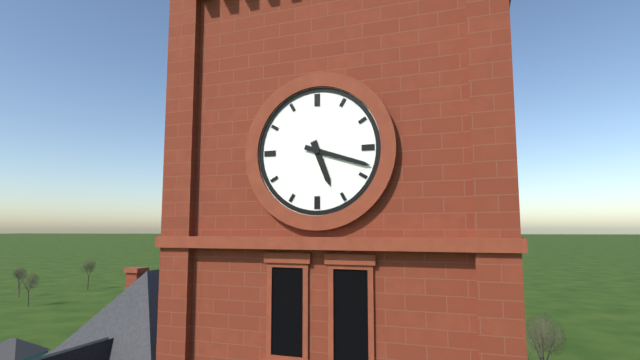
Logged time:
h=5 m=18
